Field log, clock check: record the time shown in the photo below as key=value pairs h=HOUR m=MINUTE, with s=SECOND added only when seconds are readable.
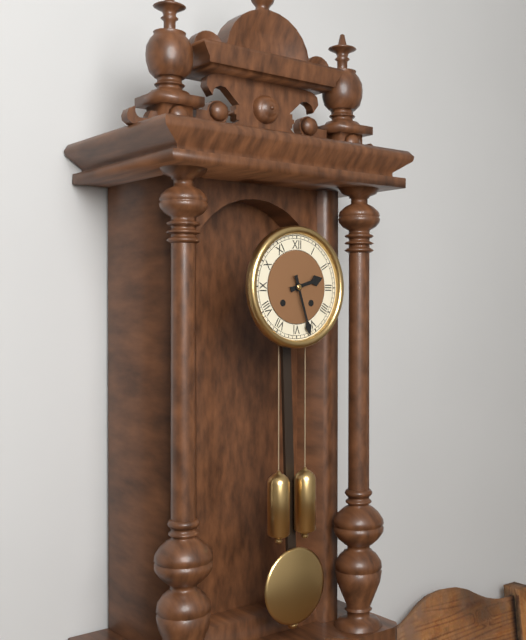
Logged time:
h=2 m=27
